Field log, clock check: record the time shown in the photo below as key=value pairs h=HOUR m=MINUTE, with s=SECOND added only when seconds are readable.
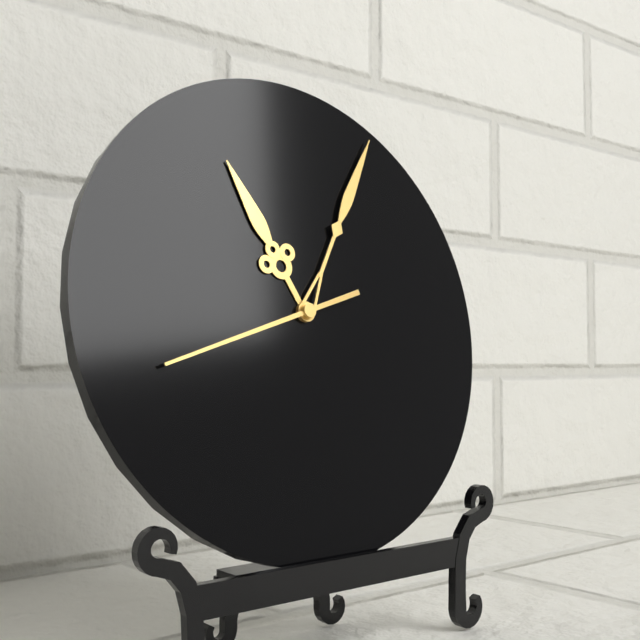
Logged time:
h=11 m=5 s=42
